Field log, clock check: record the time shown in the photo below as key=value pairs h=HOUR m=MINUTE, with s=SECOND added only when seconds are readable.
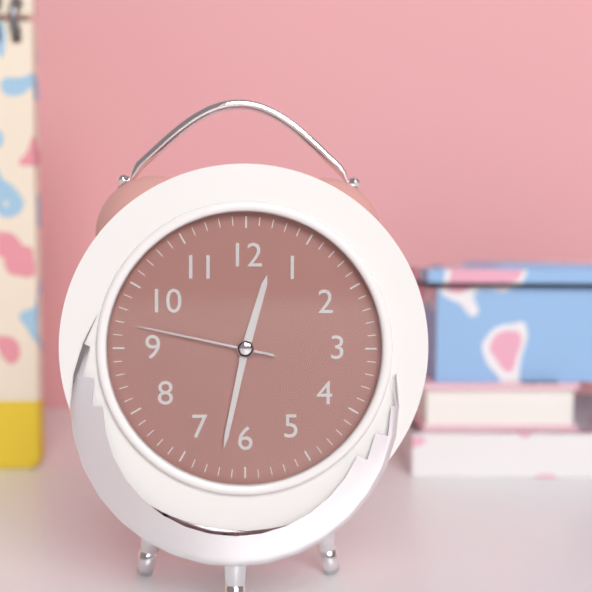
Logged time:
h=12 m=32 s=47
